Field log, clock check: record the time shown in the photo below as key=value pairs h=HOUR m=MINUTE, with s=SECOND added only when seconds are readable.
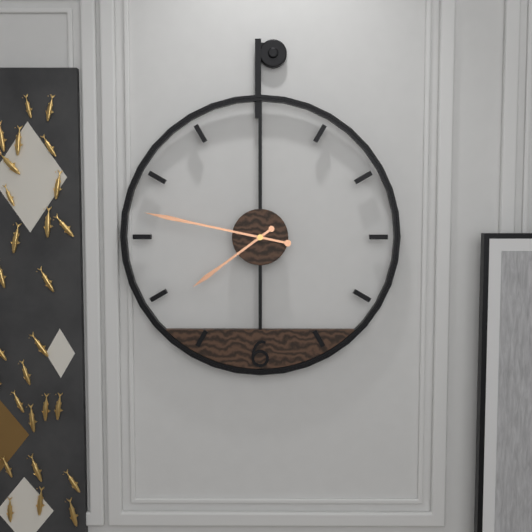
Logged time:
h=7 m=47
